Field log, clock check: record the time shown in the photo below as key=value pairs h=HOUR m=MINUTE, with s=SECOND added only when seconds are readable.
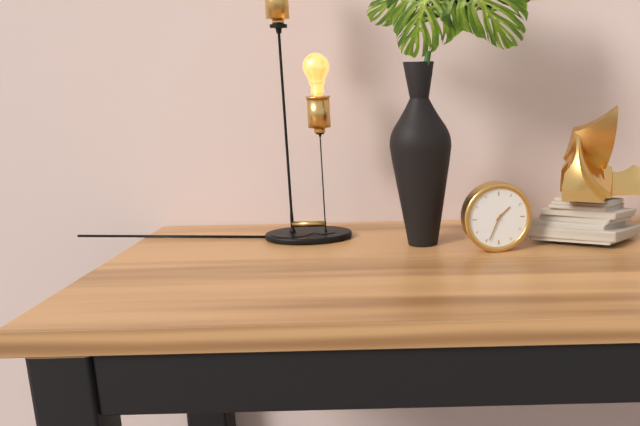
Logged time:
h=1 m=34
